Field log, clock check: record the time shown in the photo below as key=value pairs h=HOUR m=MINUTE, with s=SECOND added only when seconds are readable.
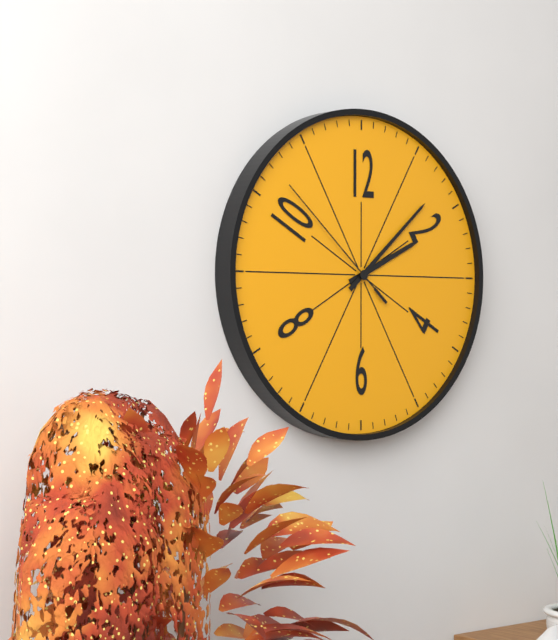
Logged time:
h=2 m=8 s=52
